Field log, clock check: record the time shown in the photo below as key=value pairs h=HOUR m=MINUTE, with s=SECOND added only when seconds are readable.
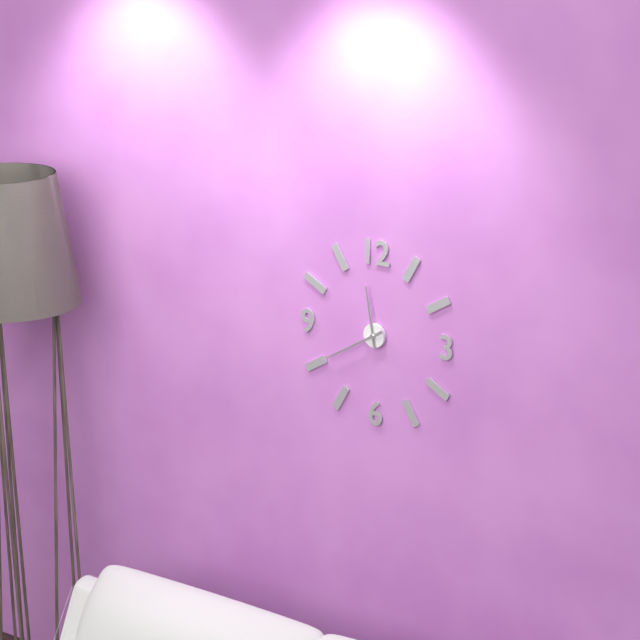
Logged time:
h=11 m=40
